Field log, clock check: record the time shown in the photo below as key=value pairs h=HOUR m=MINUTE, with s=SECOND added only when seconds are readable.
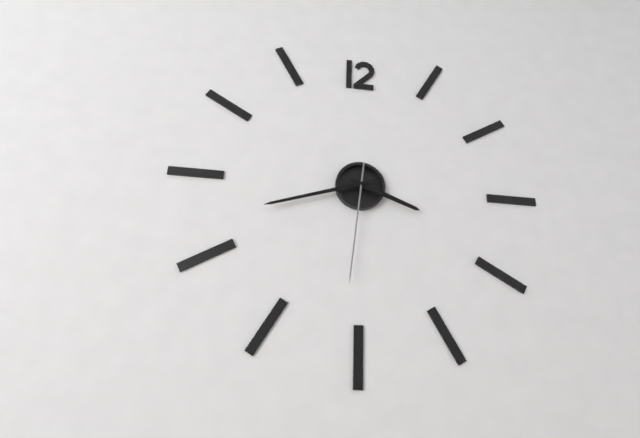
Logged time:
h=3 m=42 s=31
